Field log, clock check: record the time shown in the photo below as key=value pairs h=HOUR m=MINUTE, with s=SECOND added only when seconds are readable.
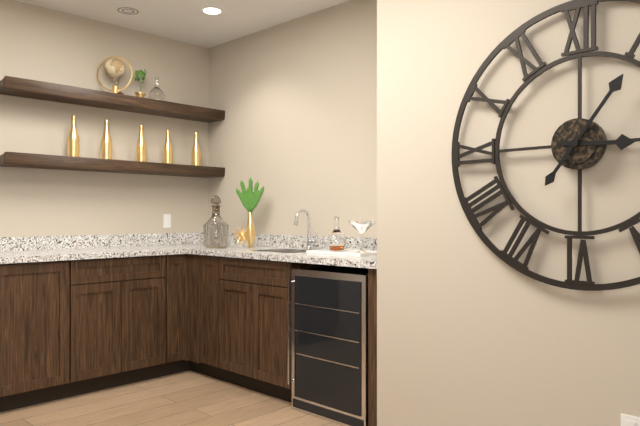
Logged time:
h=3 m=6
